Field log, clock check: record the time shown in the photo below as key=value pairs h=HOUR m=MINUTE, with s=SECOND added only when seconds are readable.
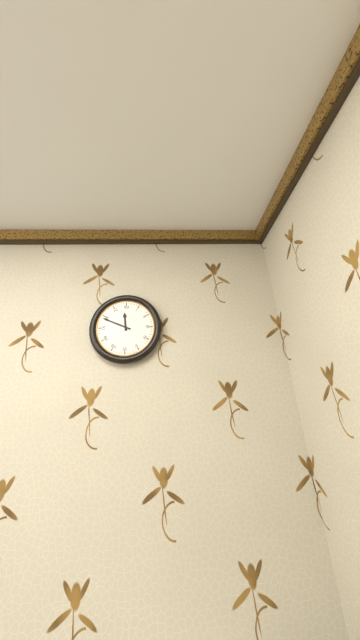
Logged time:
h=11 m=49
